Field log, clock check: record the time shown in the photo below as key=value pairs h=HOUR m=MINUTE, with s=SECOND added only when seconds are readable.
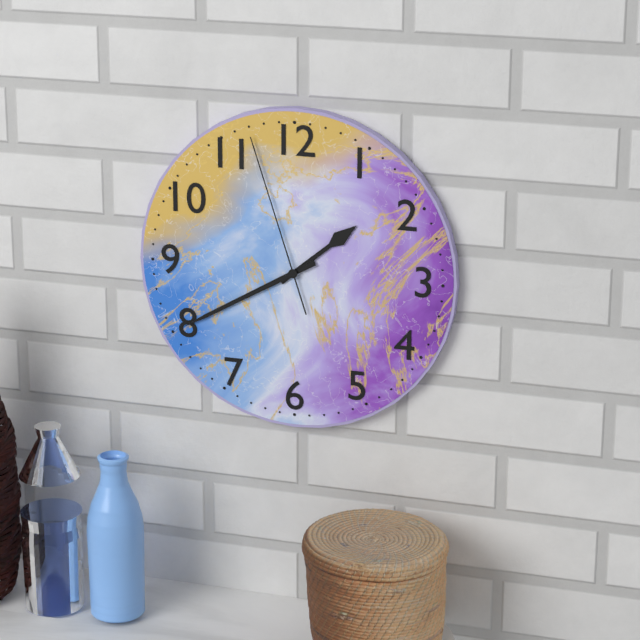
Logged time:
h=1 m=40 s=57
